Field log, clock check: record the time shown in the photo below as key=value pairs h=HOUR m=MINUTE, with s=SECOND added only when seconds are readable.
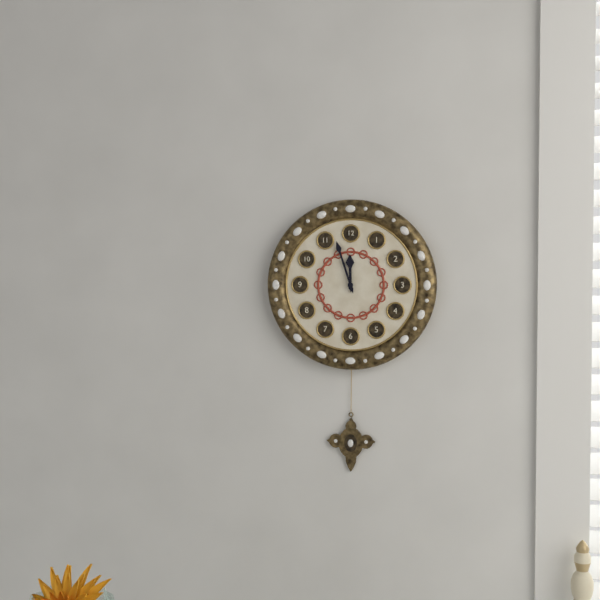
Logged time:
h=11 m=57
